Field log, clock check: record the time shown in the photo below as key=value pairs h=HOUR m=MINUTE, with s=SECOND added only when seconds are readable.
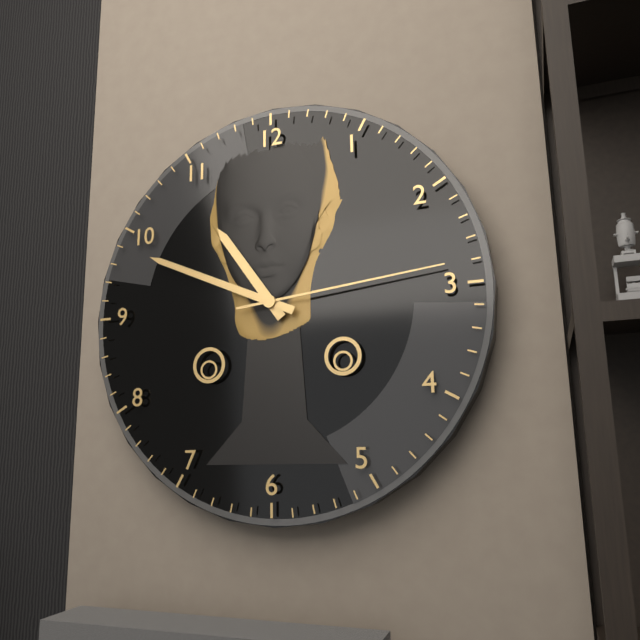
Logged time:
h=10 m=49 s=14
